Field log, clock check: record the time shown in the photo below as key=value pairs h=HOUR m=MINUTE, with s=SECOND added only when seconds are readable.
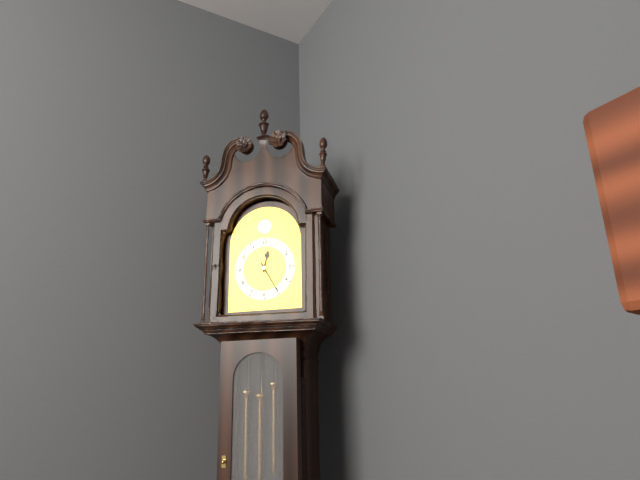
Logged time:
h=12 m=25
